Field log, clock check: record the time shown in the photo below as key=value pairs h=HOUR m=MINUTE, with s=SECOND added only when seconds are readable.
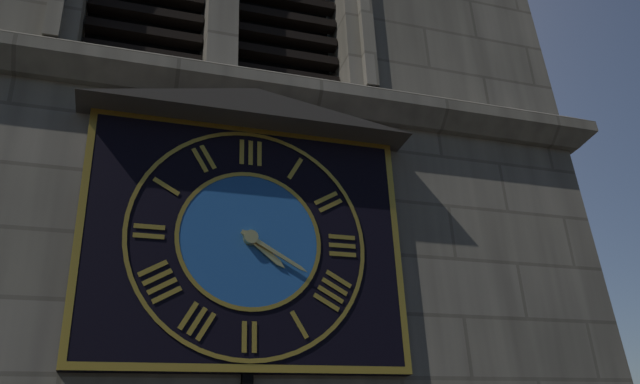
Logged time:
h=4 m=20
